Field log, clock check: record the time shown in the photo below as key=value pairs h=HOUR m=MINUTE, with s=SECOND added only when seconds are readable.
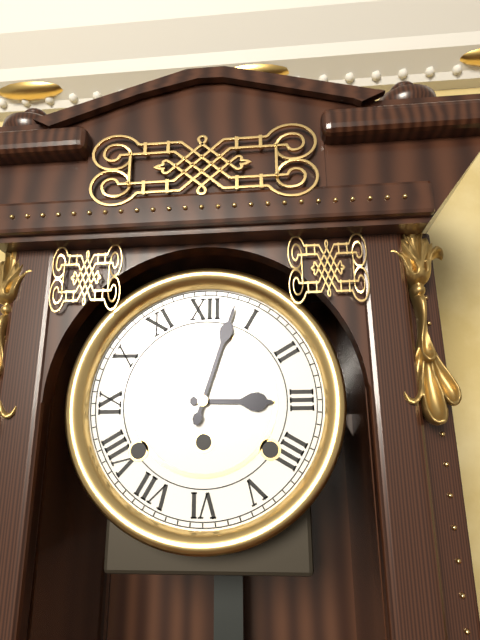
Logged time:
h=3 m=3
